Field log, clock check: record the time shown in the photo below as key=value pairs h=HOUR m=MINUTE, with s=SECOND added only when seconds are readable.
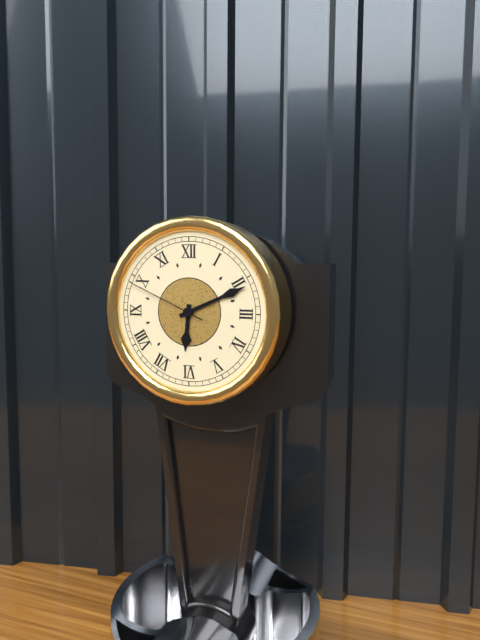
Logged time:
h=6 m=11 s=49
